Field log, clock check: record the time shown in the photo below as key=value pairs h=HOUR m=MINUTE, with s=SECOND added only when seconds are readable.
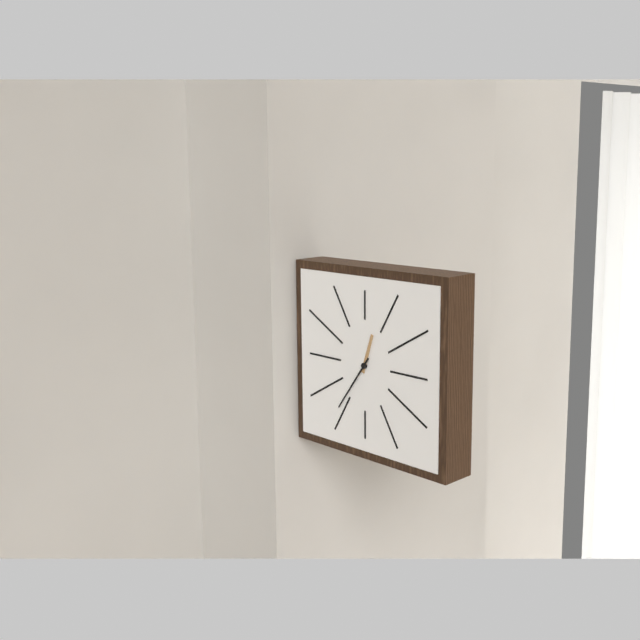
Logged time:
h=12 m=36
